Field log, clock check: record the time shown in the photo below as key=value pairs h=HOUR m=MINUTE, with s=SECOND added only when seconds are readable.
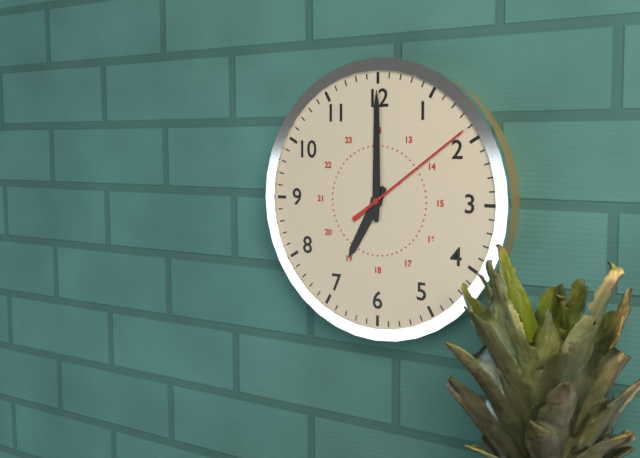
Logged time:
h=7 m=0 s=9
